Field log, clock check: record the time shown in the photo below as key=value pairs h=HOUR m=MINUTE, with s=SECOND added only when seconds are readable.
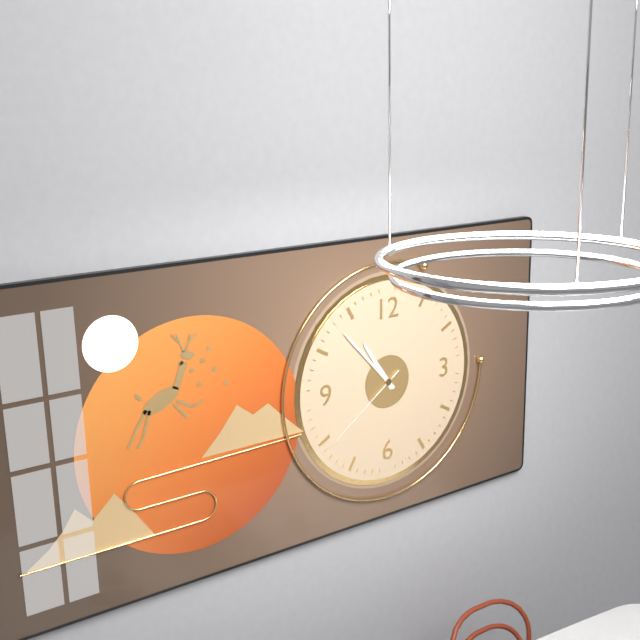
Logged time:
h=10 m=53 s=39
